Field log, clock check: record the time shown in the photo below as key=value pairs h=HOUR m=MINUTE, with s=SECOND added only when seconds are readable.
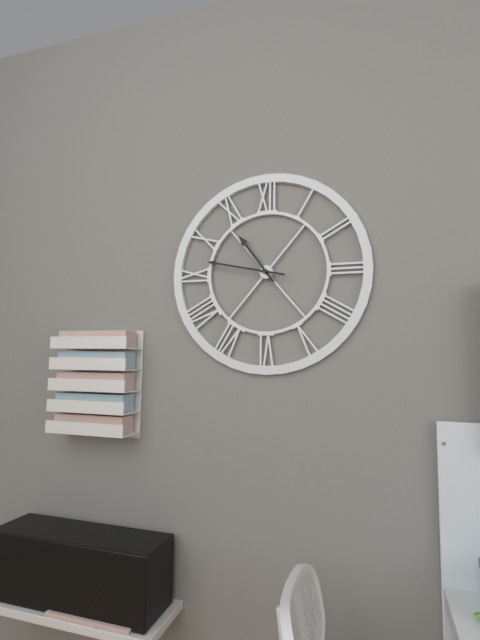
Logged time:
h=10 m=47
